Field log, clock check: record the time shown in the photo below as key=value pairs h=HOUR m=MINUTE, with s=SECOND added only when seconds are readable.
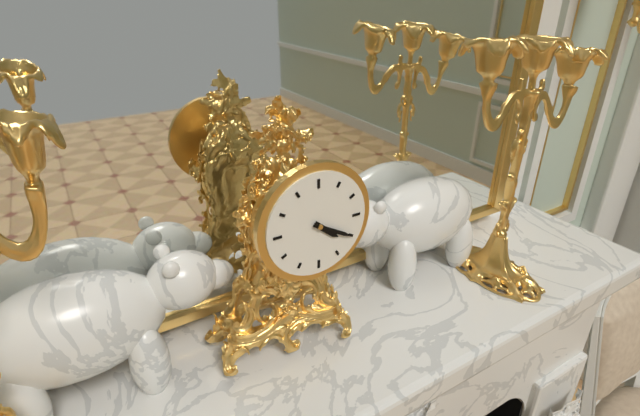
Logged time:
h=4 m=20
